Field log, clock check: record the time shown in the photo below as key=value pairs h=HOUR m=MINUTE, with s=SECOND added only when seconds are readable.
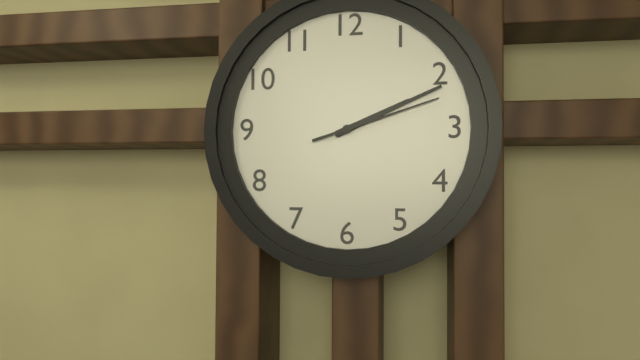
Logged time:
h=2 m=11 s=12
